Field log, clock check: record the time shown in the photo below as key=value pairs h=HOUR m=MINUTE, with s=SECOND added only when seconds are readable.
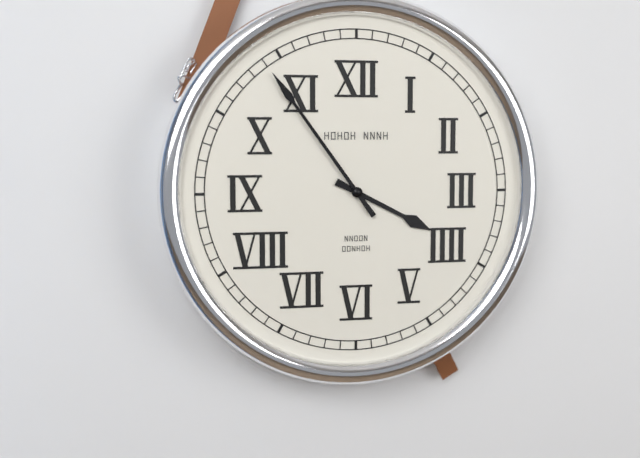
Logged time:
h=3 m=54
